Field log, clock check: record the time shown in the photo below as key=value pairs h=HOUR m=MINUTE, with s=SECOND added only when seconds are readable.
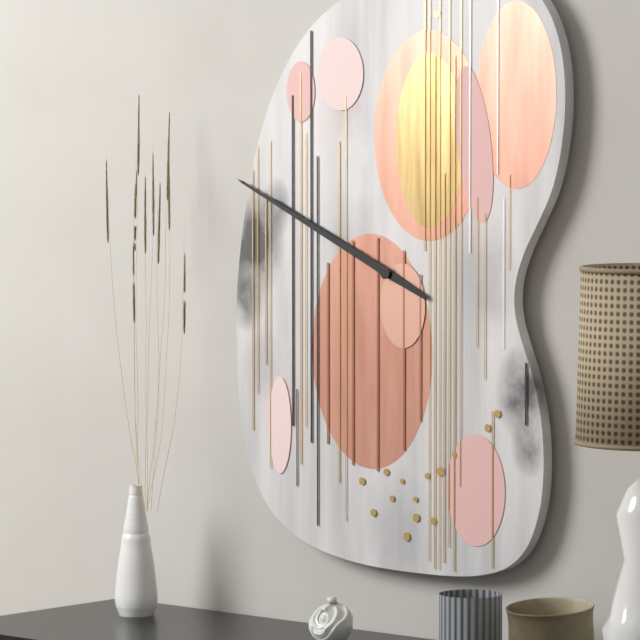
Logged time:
h=9 m=49
